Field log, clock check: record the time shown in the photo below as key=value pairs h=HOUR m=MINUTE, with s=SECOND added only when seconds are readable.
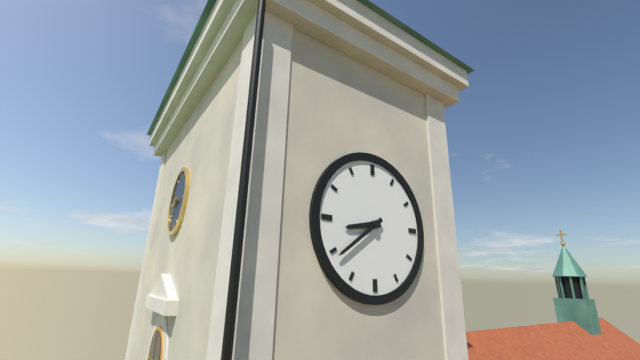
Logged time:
h=8 m=39
